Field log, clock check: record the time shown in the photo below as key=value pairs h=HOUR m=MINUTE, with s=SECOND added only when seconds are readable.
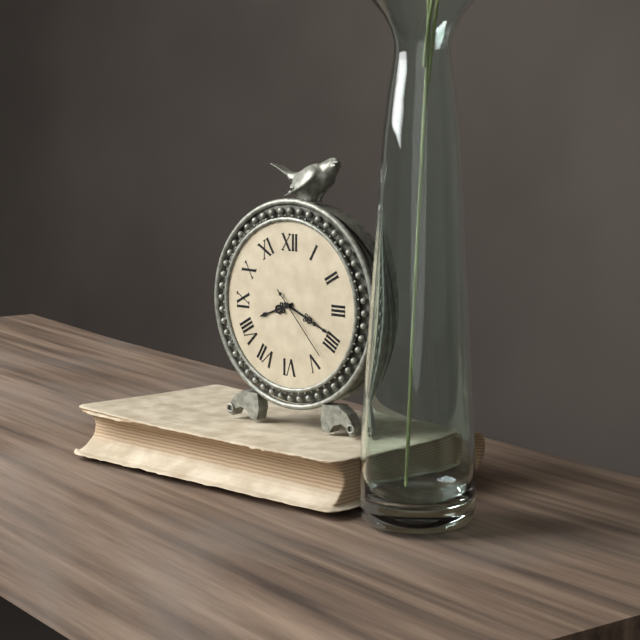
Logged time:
h=8 m=19 s=23
